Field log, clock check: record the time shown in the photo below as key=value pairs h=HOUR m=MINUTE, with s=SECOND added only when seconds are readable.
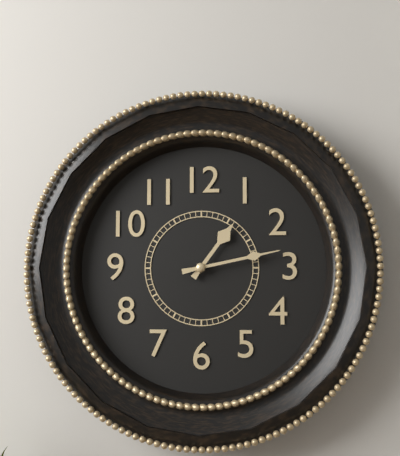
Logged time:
h=1 m=13
